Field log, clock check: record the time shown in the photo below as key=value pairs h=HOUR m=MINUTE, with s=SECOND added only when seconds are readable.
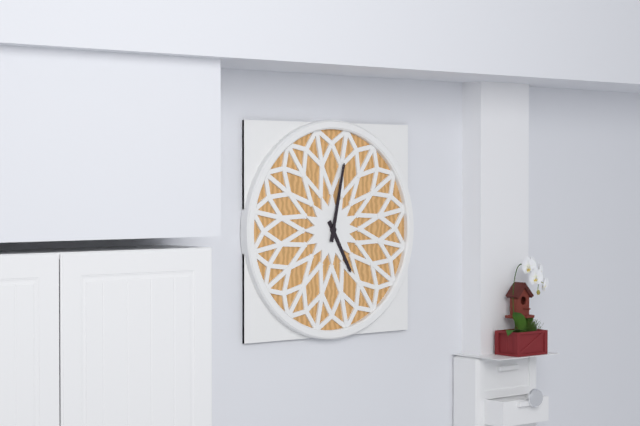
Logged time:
h=5 m=2
